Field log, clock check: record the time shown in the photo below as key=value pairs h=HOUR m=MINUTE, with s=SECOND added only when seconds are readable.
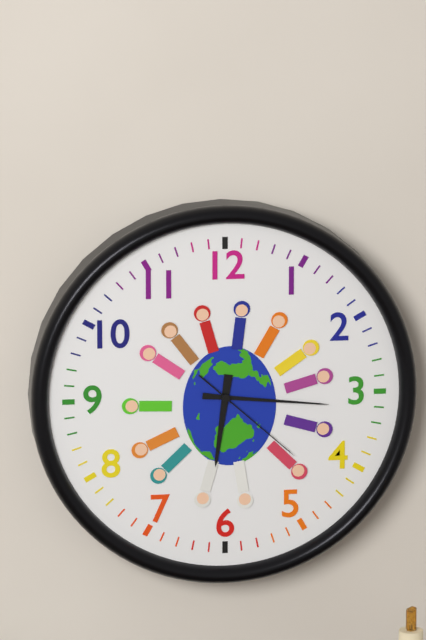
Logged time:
h=6 m=16 s=22
